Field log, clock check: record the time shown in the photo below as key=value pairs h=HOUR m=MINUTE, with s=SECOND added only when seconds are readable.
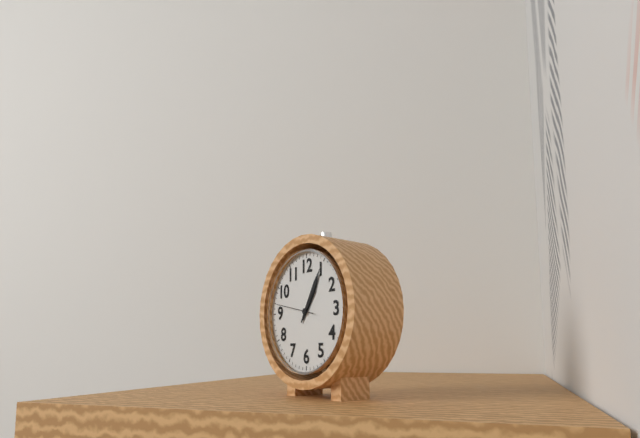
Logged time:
h=1 m=5
